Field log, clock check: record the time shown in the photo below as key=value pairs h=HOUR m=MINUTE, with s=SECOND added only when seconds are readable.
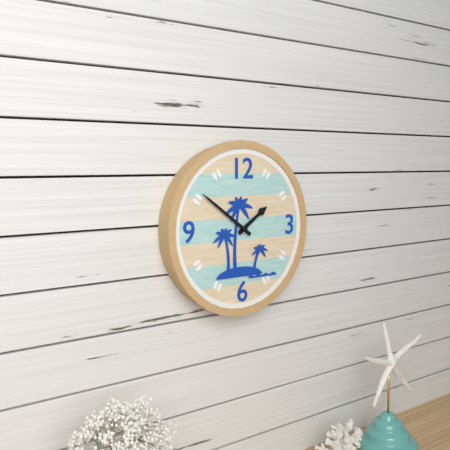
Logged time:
h=1 m=51
